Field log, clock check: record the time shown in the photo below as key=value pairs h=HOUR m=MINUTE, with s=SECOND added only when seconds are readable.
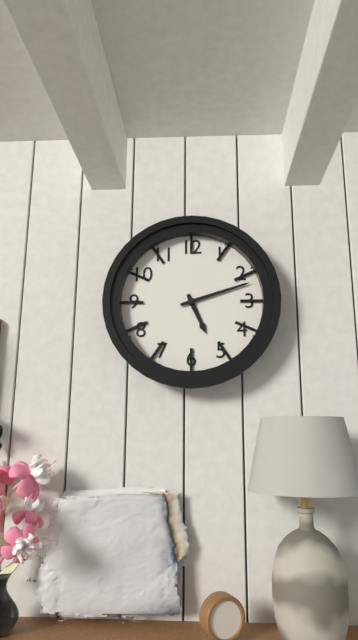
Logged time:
h=5 m=12
